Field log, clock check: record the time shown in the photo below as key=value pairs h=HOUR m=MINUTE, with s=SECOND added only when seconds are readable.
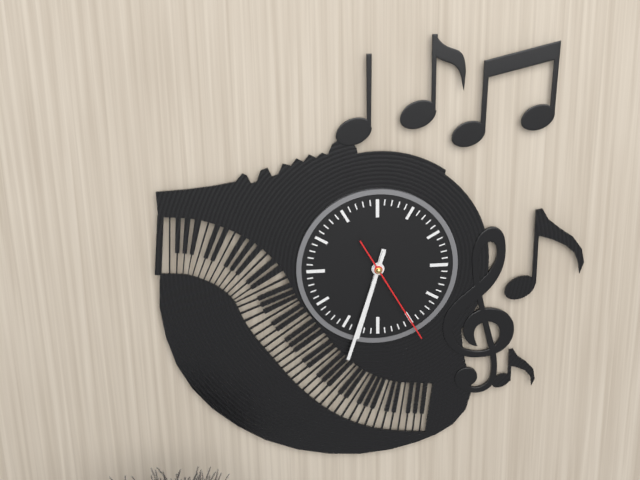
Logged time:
h=6 m=33 s=25
